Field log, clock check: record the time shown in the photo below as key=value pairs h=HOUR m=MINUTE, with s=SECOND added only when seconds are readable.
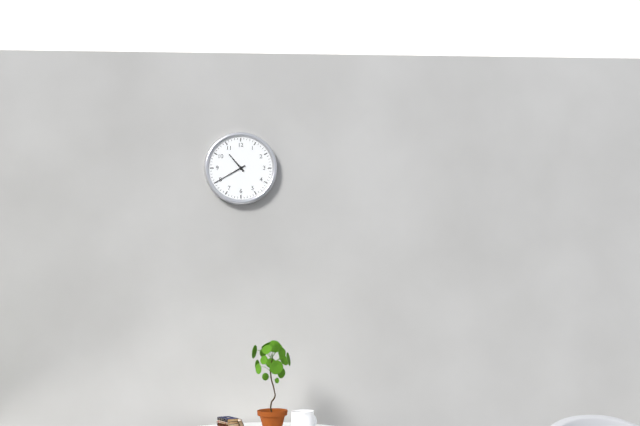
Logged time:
h=10 m=40
